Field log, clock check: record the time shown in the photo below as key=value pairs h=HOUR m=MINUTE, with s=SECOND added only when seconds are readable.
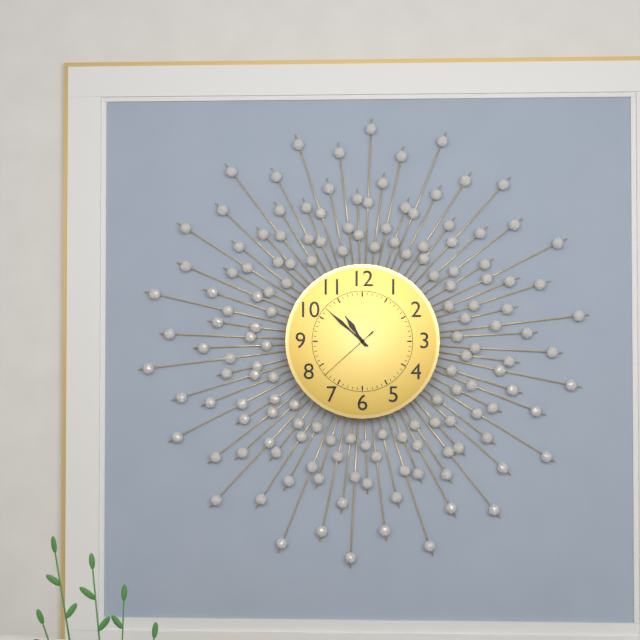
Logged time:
h=10 m=52 s=38
